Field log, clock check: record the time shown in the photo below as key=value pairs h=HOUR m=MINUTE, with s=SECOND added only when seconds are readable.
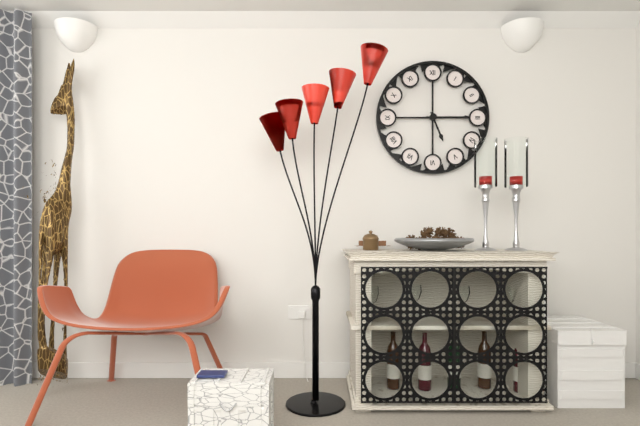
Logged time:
h=5 m=15
